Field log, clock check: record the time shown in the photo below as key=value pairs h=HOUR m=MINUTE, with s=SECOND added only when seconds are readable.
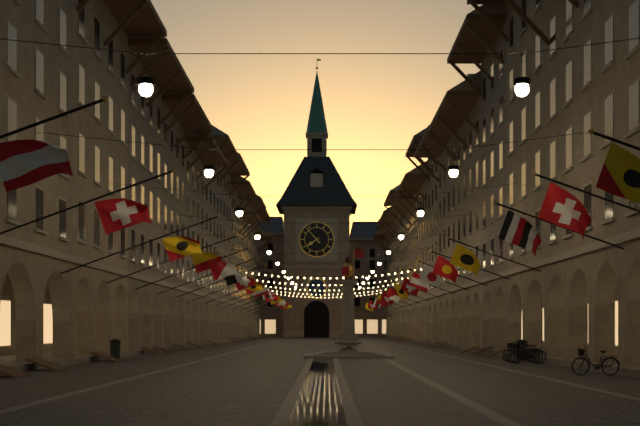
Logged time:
h=7 m=53
